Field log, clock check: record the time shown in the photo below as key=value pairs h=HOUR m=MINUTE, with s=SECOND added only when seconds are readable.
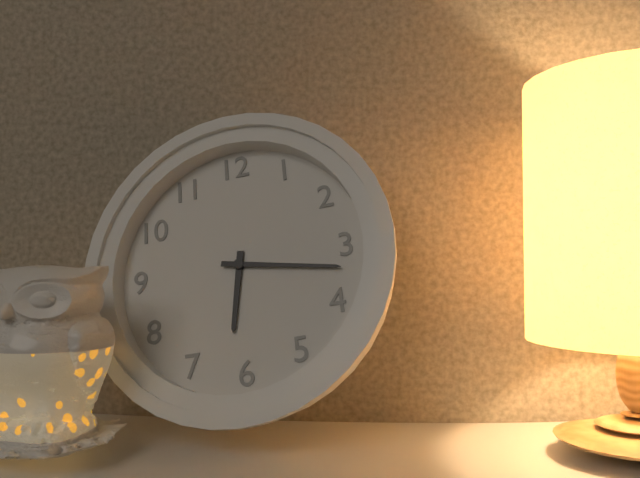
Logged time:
h=6 m=17
